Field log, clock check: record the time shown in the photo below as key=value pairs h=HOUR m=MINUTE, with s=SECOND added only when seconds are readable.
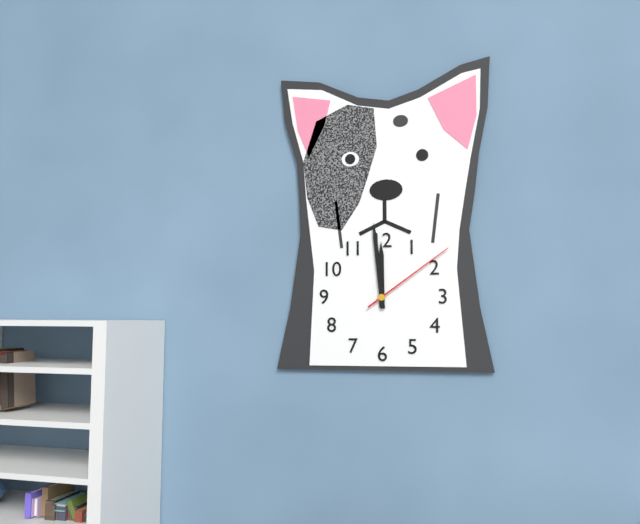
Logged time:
h=11 m=59 s=9
